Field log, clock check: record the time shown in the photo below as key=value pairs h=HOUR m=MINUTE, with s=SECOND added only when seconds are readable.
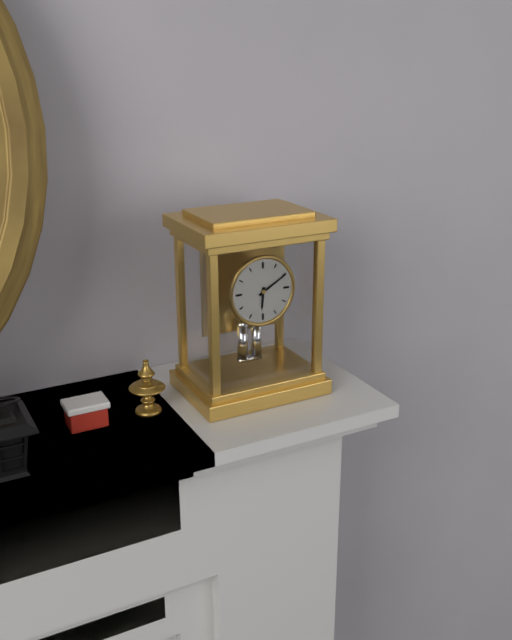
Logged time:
h=6 m=10
